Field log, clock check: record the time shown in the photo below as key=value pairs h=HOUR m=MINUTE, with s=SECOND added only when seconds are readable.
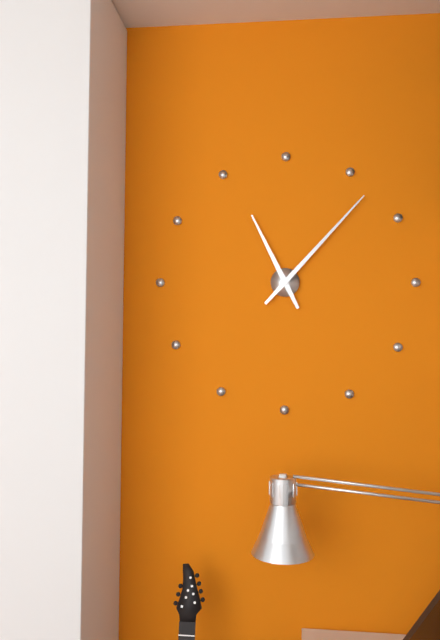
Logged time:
h=11 m=7
